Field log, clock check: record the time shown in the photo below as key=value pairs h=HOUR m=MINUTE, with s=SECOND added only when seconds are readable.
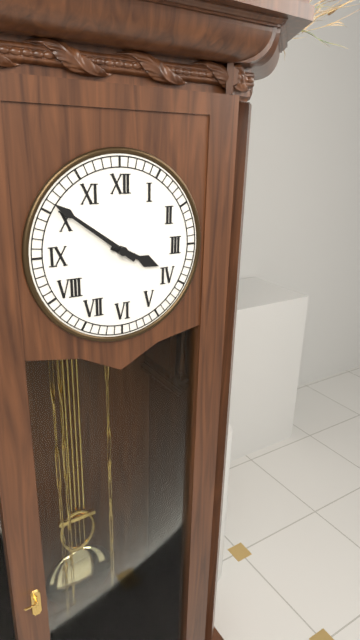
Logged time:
h=3 m=51
